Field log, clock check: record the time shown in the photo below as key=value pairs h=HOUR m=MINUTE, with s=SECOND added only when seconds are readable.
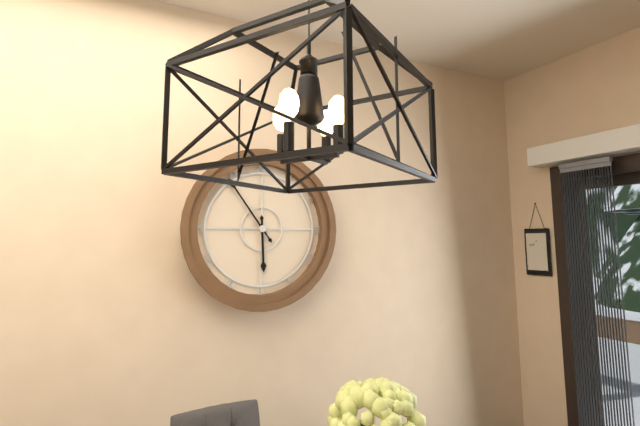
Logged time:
h=5 m=54
